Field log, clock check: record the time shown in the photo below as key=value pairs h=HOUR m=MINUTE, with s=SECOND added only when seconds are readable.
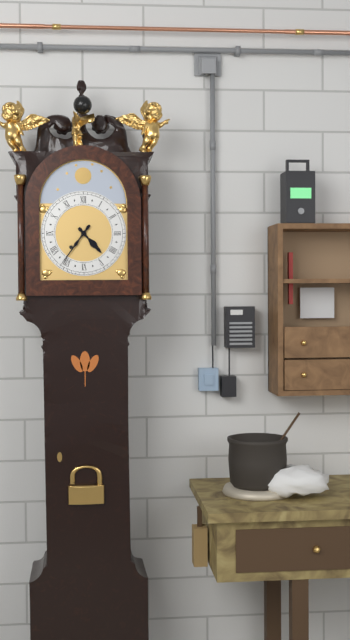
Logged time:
h=4 m=36
